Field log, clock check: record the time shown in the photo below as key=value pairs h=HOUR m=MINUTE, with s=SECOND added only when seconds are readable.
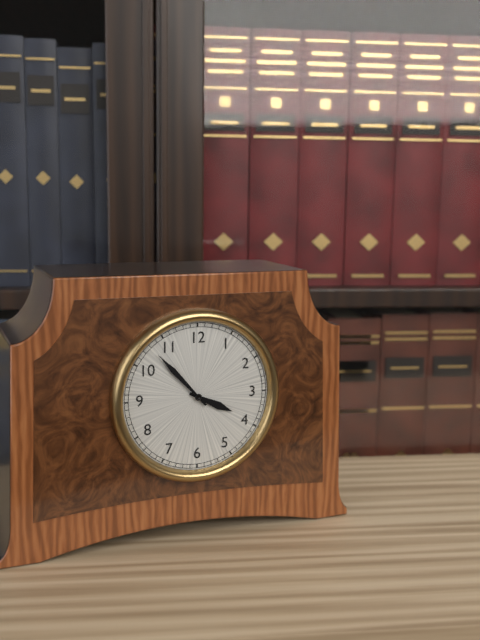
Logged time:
h=3 m=53
